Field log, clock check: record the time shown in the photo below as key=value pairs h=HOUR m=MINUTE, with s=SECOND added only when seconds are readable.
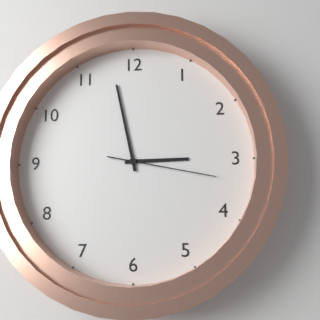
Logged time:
h=2 m=58 s=17
